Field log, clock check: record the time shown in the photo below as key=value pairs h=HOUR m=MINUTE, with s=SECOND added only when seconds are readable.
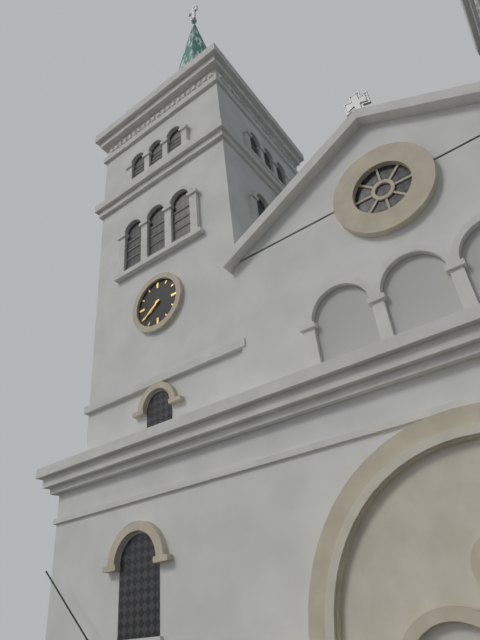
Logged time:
h=7 m=39
